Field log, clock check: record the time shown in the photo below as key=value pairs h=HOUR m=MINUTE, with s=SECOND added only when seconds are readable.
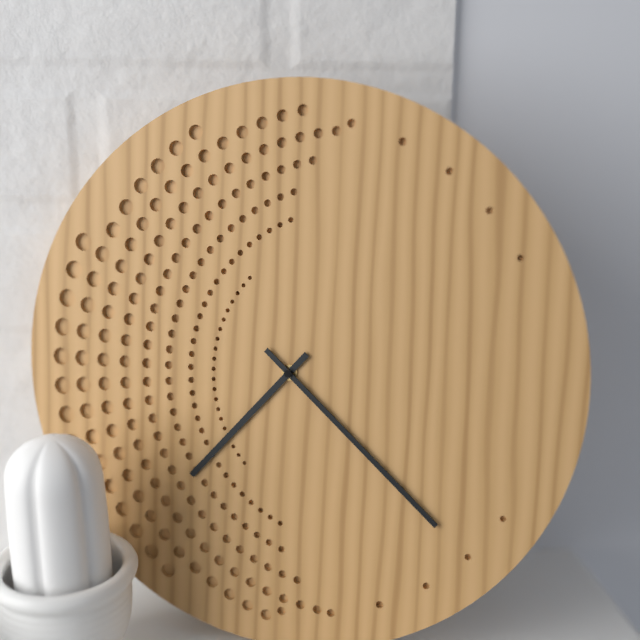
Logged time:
h=7 m=22
